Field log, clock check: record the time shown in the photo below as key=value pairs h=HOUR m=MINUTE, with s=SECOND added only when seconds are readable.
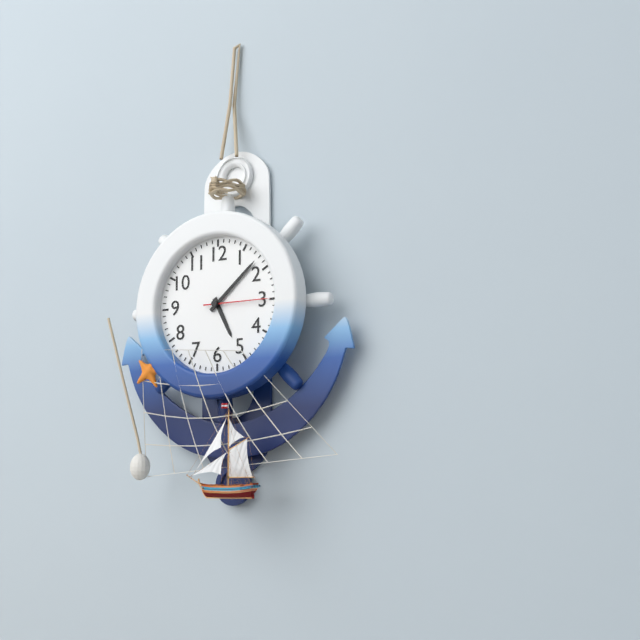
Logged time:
h=5 m=8
